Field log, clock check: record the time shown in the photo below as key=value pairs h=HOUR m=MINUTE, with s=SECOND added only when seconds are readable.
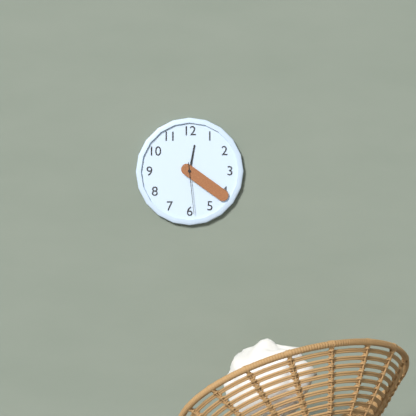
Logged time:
h=12 m=21 s=29
